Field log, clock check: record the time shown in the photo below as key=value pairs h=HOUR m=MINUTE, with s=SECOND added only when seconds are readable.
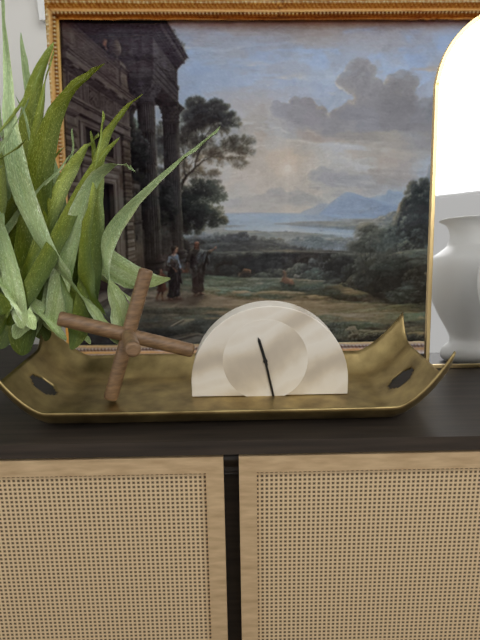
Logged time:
h=11 m=28
